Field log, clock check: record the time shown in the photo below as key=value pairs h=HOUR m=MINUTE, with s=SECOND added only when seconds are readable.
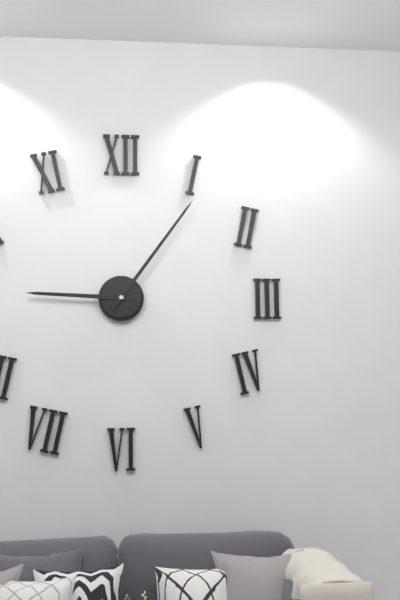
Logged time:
h=9 m=6
